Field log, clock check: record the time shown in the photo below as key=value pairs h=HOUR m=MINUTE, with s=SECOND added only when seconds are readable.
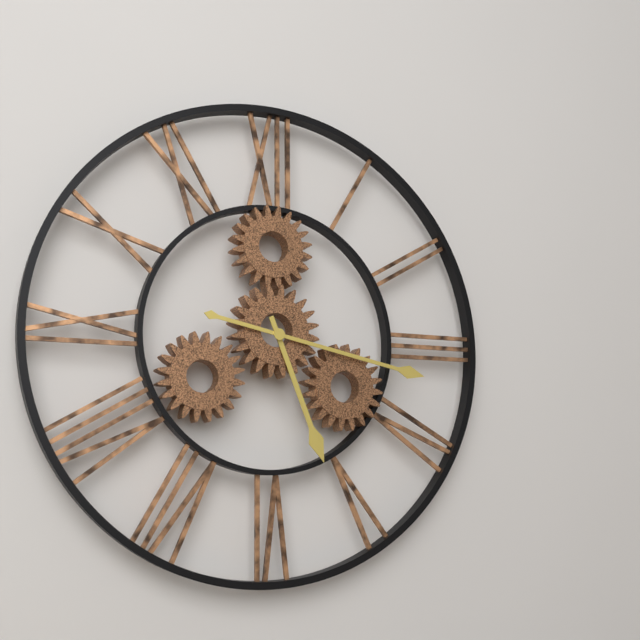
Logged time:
h=5 m=17
